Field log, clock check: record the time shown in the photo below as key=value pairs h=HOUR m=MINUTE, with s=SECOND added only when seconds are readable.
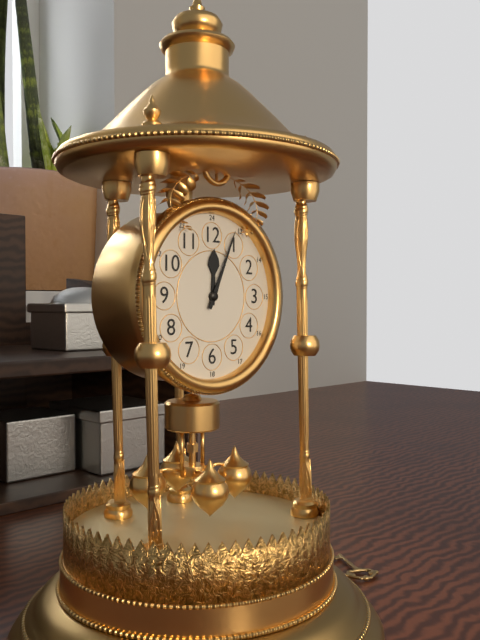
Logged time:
h=12 m=4
